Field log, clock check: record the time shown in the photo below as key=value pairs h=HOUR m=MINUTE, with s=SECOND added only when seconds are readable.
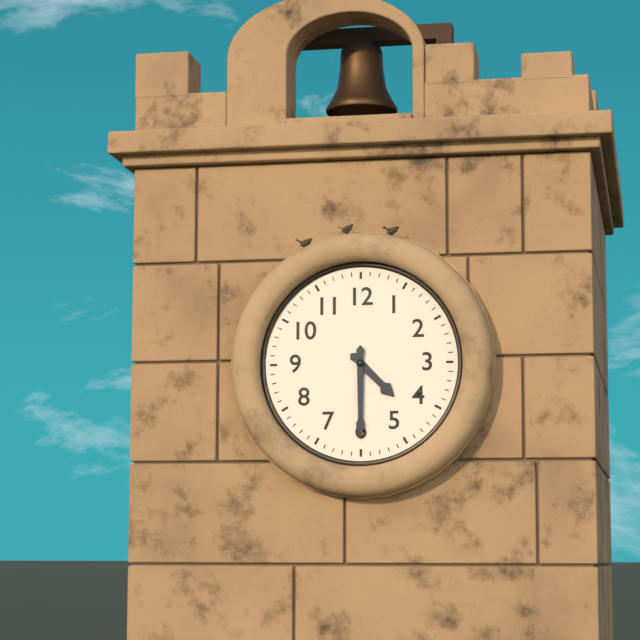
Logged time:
h=4 m=30
